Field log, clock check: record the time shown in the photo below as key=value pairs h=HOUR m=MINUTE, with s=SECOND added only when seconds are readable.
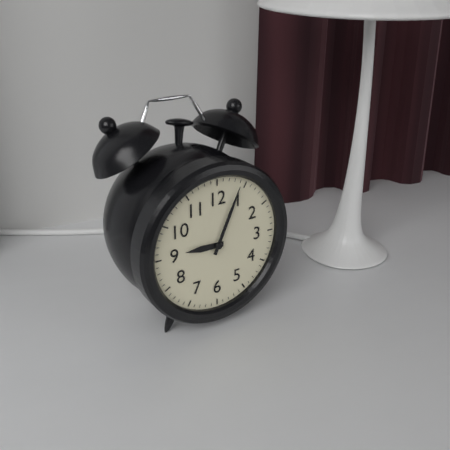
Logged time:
h=9 m=4
